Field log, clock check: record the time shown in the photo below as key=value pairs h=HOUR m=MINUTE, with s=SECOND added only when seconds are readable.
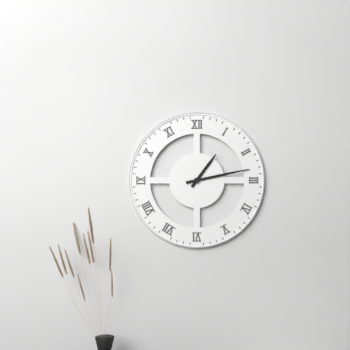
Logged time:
h=1 m=13
